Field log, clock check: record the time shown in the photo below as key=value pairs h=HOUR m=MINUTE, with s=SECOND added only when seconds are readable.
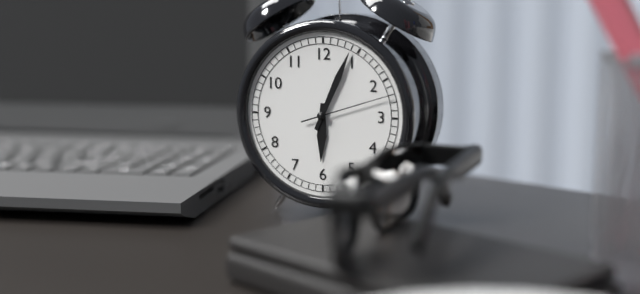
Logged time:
h=6 m=4 s=12
